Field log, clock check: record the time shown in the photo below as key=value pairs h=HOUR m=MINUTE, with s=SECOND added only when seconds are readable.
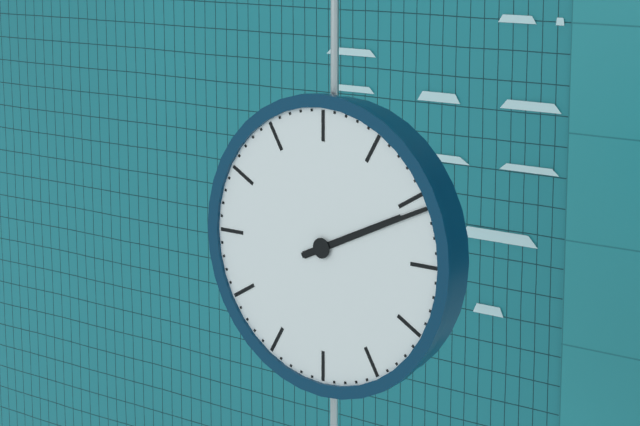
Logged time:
h=2 m=11
